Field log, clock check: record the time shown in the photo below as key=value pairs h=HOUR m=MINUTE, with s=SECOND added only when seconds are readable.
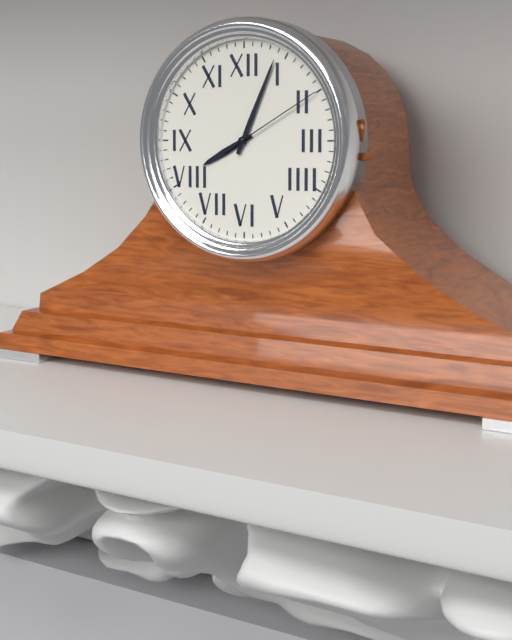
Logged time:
h=8 m=4 s=10
